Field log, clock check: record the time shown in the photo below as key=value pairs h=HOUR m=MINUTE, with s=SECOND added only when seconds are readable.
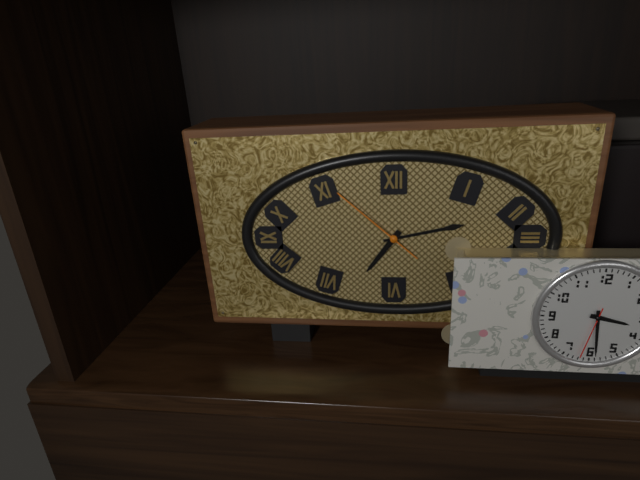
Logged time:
h=7 m=13 s=52
